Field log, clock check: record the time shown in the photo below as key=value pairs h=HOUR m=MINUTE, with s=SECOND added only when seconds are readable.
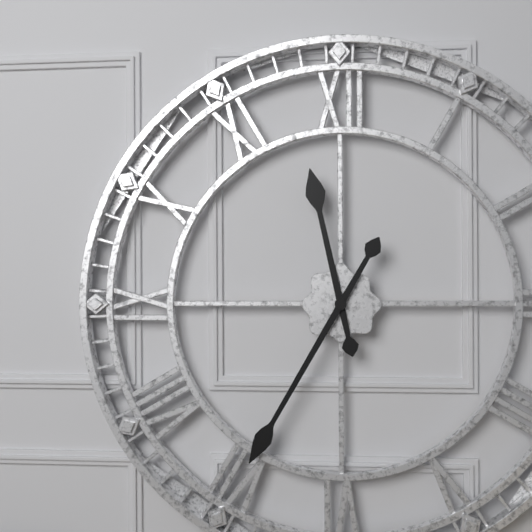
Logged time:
h=11 m=35
